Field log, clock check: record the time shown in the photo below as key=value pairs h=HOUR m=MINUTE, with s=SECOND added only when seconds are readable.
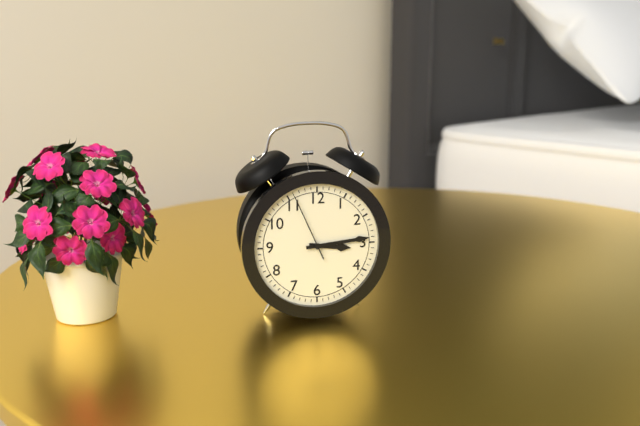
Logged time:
h=3 m=14 s=56
